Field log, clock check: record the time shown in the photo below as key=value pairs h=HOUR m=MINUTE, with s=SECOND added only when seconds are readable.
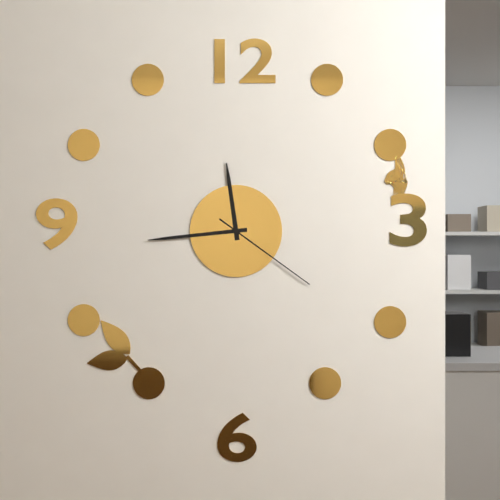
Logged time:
h=11 m=44 s=21
